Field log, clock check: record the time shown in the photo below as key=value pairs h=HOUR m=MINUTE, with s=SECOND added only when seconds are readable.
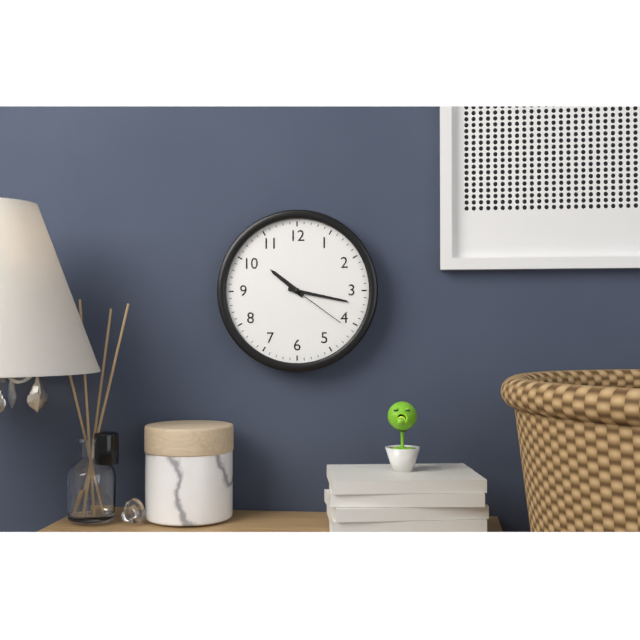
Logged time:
h=10 m=17 s=21
